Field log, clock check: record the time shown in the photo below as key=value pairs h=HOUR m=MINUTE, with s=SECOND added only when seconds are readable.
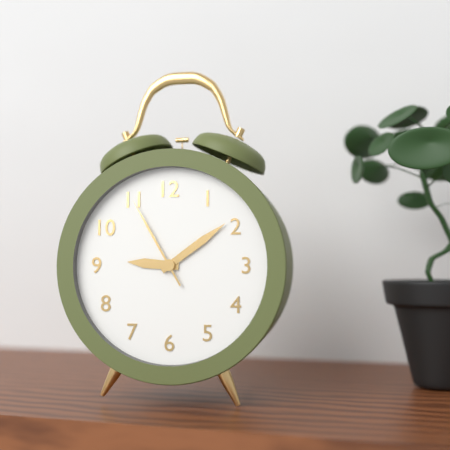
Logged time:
h=9 m=9 s=55
